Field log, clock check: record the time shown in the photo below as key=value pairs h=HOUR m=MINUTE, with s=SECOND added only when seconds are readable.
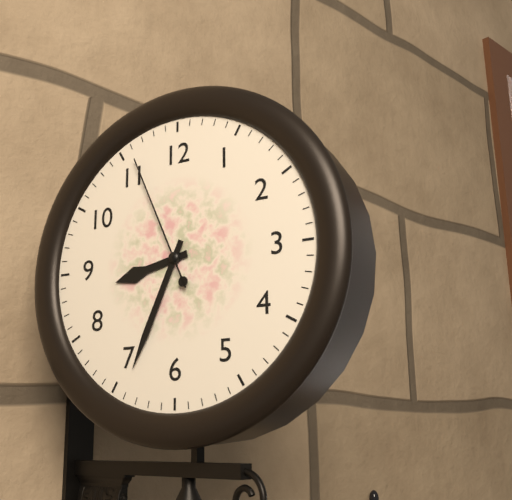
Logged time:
h=8 m=34 s=56
